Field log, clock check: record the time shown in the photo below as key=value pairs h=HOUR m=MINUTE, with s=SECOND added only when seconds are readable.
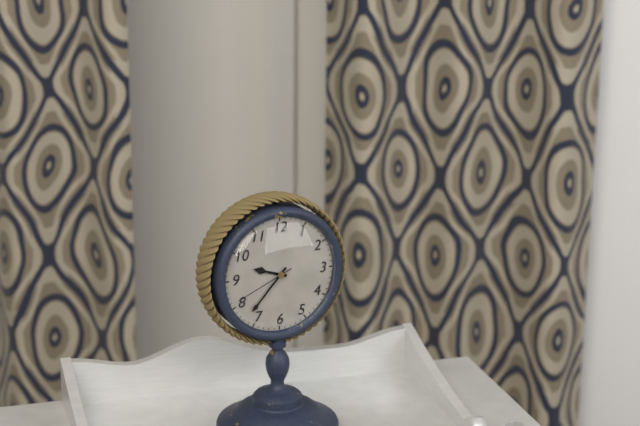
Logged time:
h=9 m=37 s=41
